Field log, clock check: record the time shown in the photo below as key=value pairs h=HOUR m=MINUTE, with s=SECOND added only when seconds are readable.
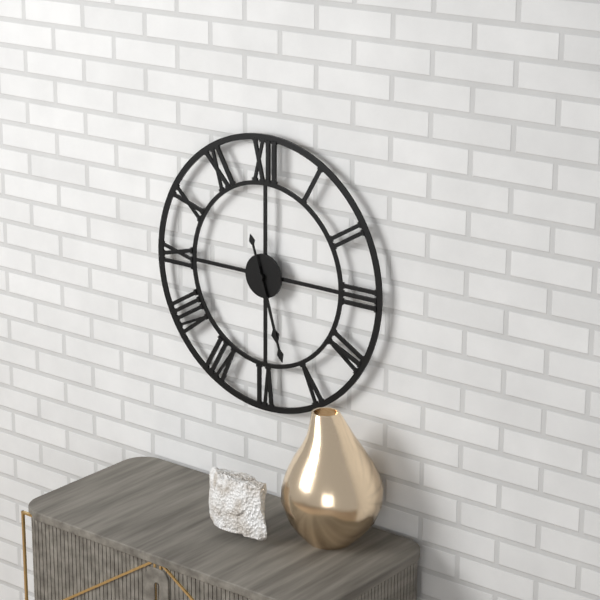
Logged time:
h=5 m=27
